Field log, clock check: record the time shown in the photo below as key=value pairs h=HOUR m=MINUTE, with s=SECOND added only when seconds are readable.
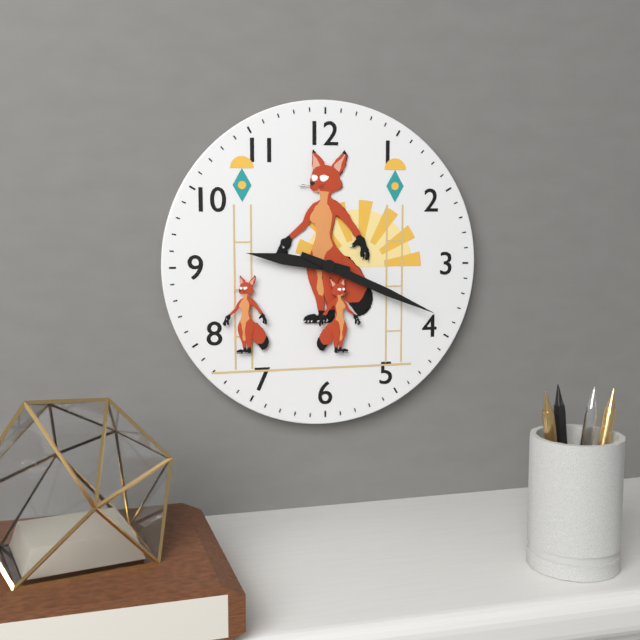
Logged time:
h=9 m=19
